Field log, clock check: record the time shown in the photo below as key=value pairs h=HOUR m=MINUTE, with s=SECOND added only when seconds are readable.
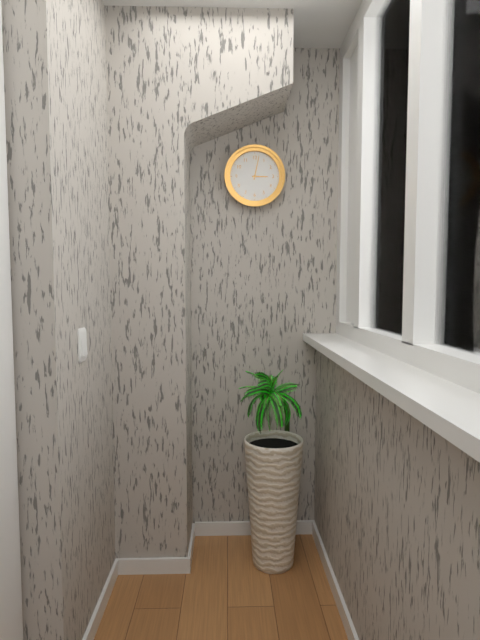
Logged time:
h=3 m=2
